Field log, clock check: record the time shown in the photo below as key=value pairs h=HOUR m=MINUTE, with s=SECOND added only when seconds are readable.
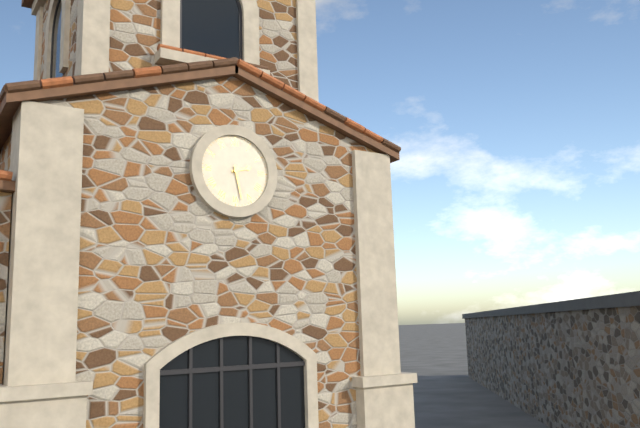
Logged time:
h=2 m=28
